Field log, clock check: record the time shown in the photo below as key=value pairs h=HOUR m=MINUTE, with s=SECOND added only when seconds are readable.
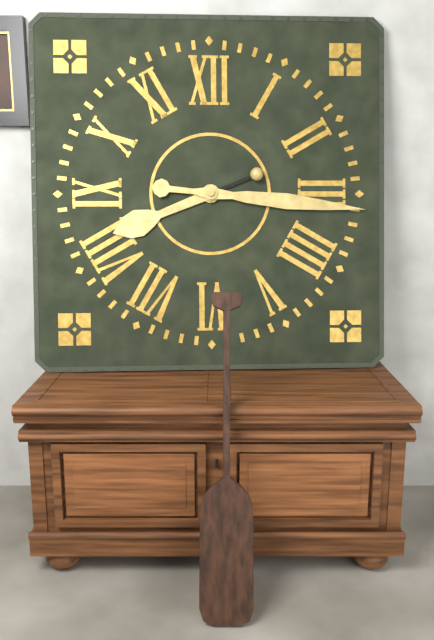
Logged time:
h=8 m=16
